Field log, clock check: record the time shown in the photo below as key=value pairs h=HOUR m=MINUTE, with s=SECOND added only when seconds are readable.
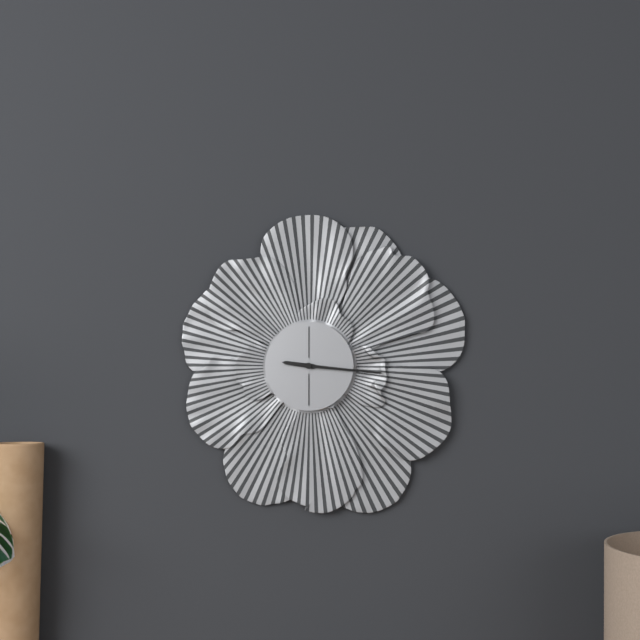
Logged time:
h=9 m=16
